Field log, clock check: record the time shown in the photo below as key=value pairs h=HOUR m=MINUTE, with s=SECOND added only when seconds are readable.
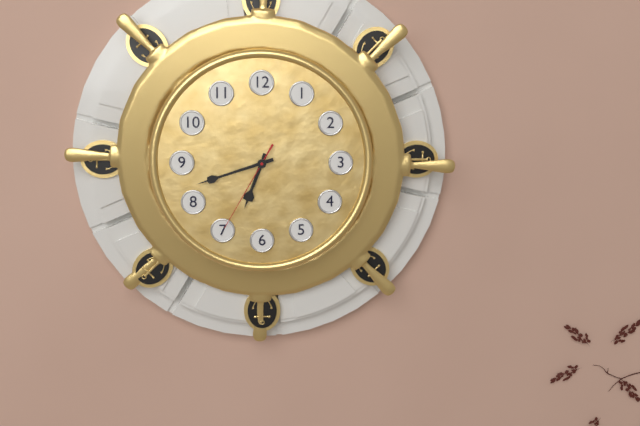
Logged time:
h=6 m=42 s=35
